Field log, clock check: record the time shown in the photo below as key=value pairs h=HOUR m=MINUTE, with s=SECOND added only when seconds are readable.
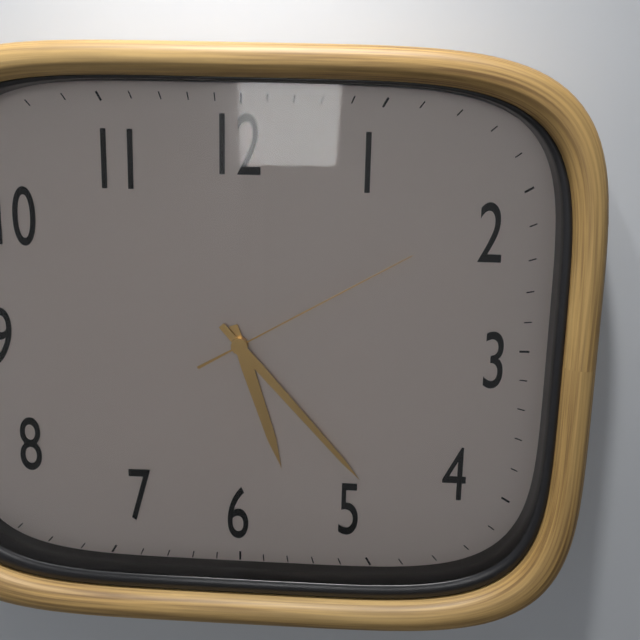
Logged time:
h=5 m=23 s=10
